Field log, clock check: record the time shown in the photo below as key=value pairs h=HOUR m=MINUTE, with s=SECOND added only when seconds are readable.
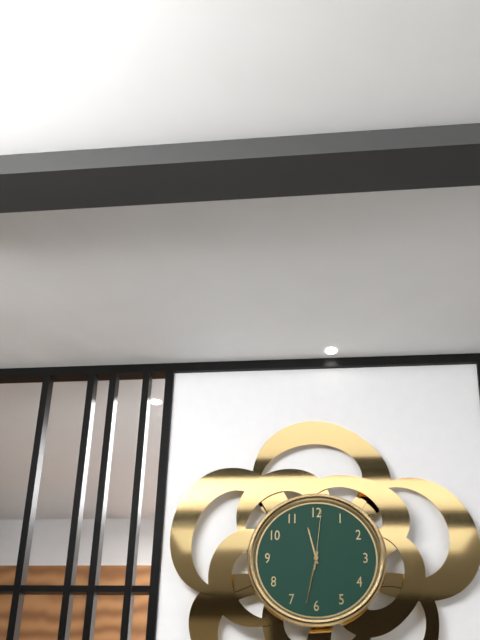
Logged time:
h=11 m=32 s=1
